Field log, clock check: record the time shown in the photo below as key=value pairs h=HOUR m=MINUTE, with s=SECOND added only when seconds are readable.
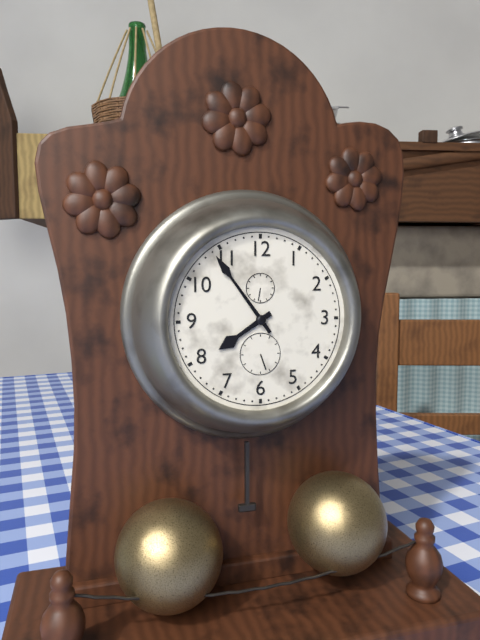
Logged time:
h=7 m=54
